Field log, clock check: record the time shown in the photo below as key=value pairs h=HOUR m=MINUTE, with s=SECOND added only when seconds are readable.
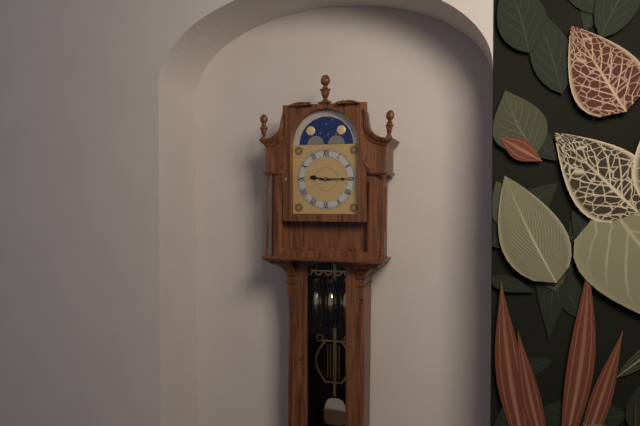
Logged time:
h=9 m=15
